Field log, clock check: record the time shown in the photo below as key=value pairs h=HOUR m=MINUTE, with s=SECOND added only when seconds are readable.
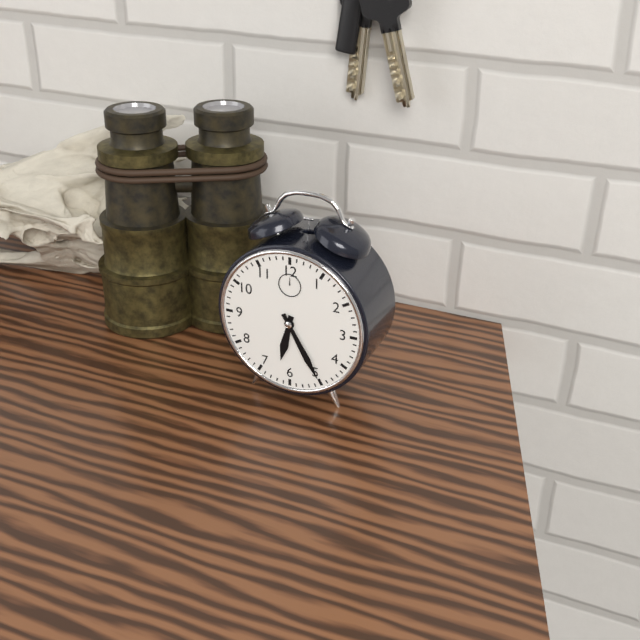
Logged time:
h=6 m=25
